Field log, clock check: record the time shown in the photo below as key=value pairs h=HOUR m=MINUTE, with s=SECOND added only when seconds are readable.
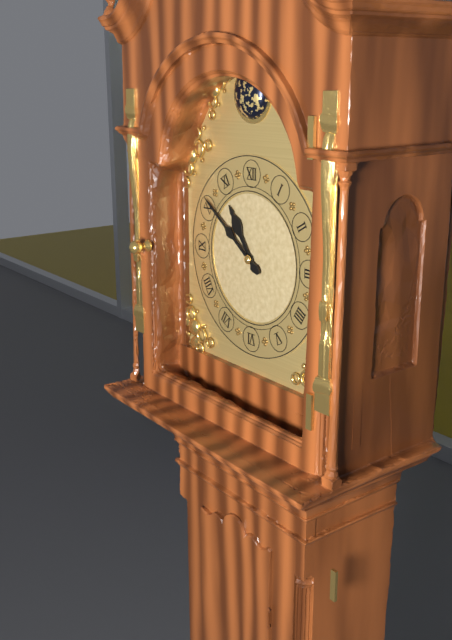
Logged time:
h=10 m=51
